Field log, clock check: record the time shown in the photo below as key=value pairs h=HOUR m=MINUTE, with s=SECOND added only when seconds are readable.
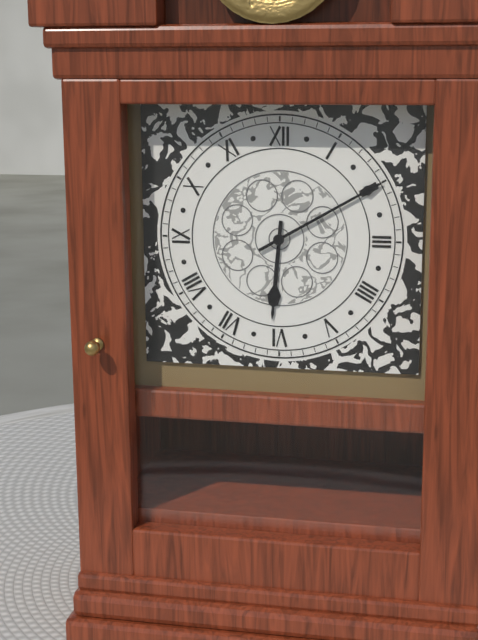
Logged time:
h=6 m=10
